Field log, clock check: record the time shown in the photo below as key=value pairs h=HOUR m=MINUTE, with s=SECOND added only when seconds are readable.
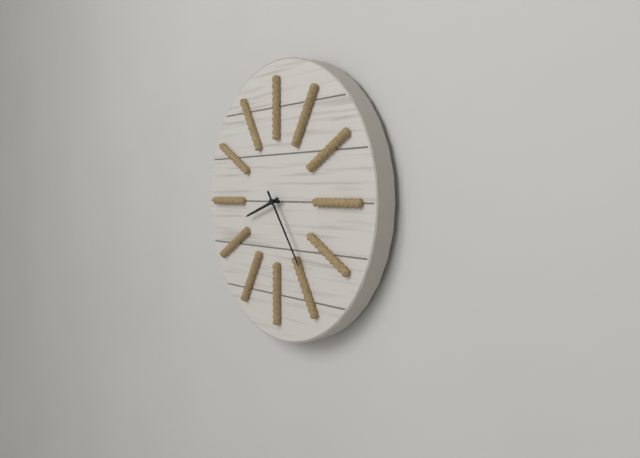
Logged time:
h=8 m=24
